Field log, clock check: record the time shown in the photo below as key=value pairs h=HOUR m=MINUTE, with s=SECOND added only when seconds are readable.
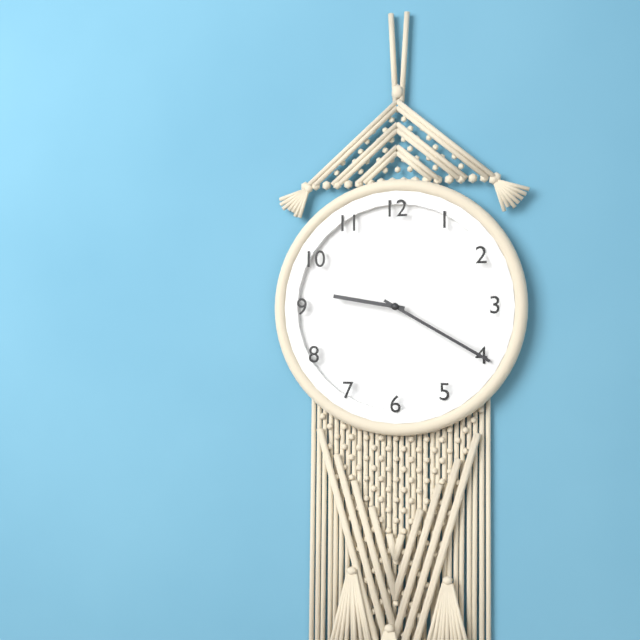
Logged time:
h=9 m=20
